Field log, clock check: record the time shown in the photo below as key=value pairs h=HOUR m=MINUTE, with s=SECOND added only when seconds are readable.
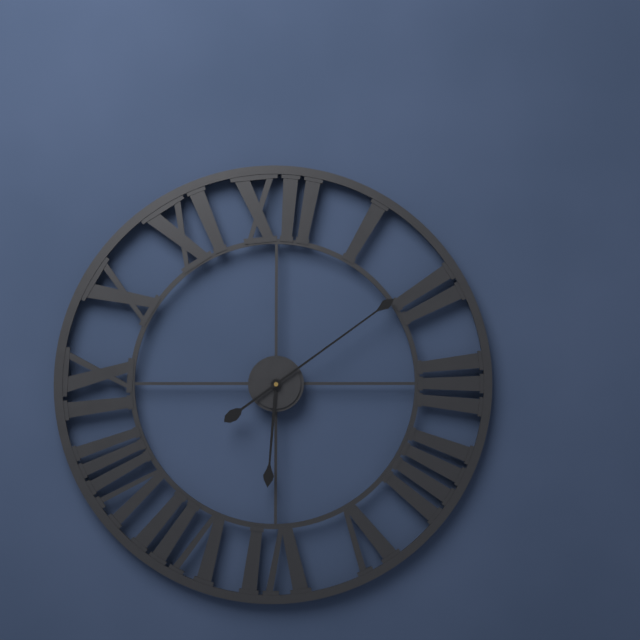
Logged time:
h=6 m=9
